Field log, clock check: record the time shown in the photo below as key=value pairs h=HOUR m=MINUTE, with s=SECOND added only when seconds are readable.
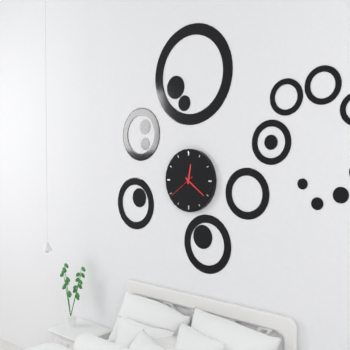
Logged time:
h=12 m=21
